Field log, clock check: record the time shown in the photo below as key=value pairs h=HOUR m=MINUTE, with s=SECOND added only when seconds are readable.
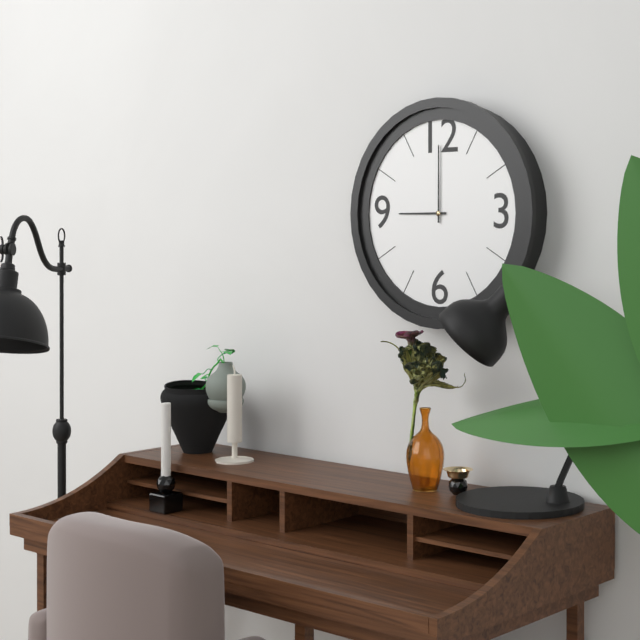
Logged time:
h=9 m=0
